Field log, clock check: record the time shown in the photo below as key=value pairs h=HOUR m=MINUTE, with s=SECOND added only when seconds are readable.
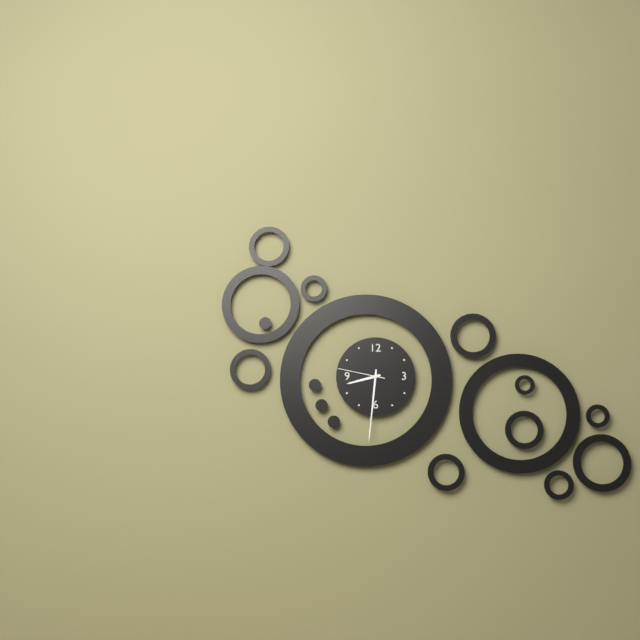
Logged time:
h=8 m=31 s=47
